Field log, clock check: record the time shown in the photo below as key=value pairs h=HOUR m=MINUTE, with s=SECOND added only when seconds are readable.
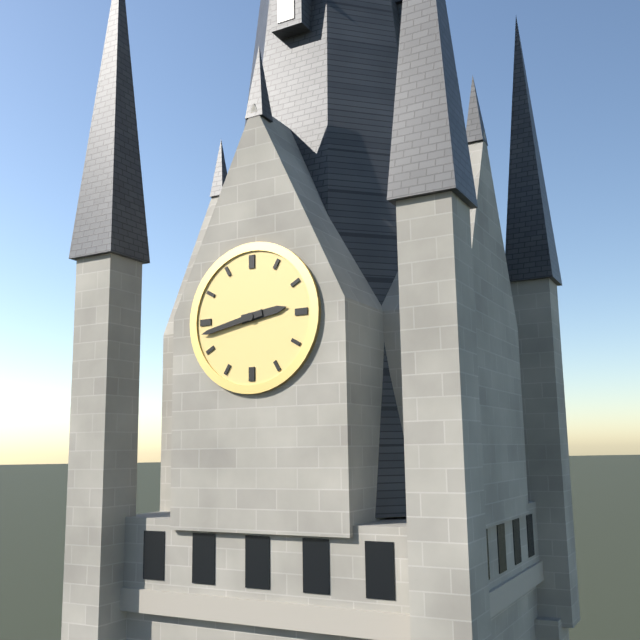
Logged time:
h=2 m=43
